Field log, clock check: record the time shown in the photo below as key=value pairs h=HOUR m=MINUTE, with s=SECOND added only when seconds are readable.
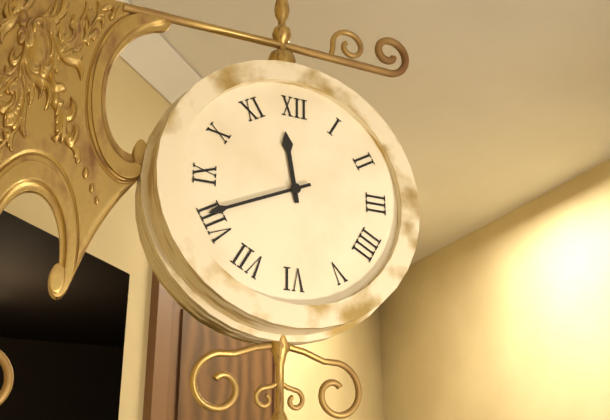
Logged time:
h=11 m=41
